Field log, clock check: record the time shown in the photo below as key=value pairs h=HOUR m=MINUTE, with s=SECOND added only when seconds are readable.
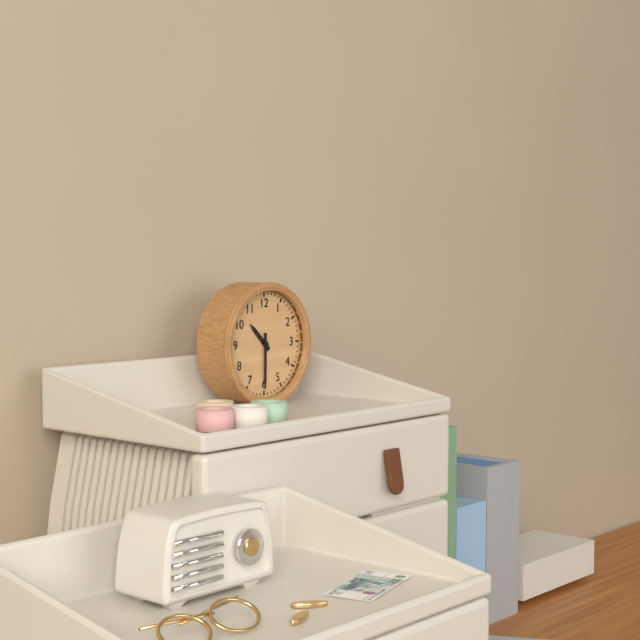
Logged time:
h=10 m=30
